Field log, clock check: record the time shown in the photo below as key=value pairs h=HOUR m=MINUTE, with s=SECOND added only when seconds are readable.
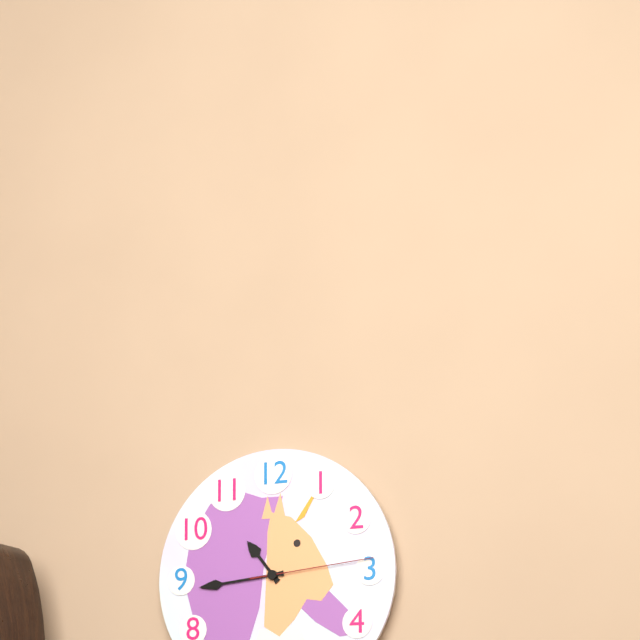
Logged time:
h=10 m=44 s=14
